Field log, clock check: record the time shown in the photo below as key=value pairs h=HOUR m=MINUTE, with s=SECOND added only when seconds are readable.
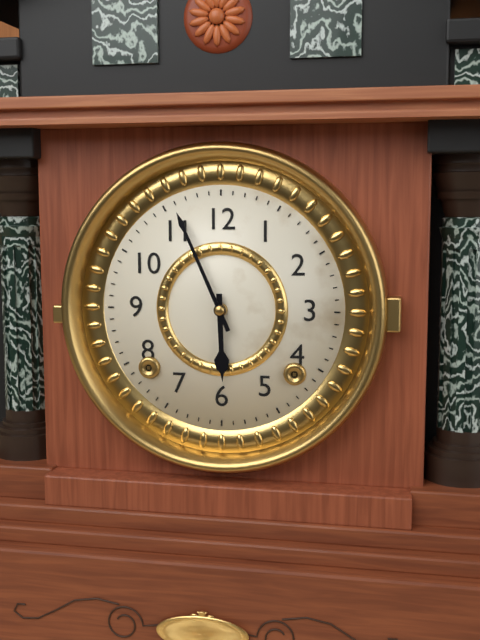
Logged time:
h=5 m=56
